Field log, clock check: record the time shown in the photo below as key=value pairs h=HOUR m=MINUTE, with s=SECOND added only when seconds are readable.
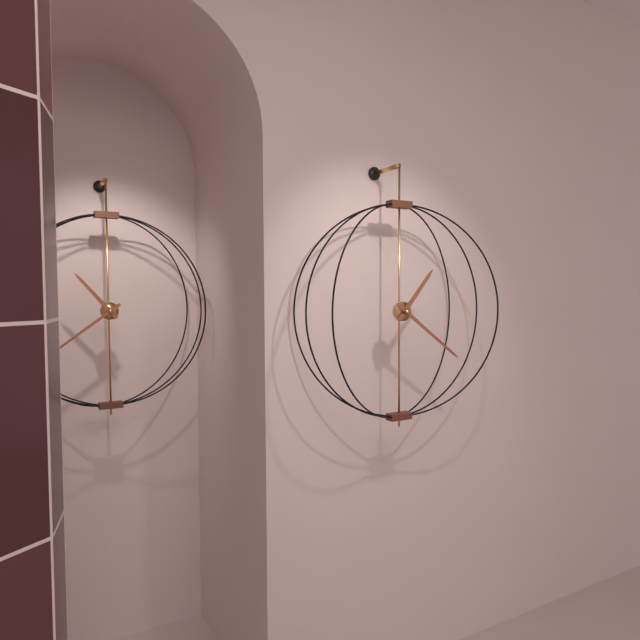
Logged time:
h=1 m=21
